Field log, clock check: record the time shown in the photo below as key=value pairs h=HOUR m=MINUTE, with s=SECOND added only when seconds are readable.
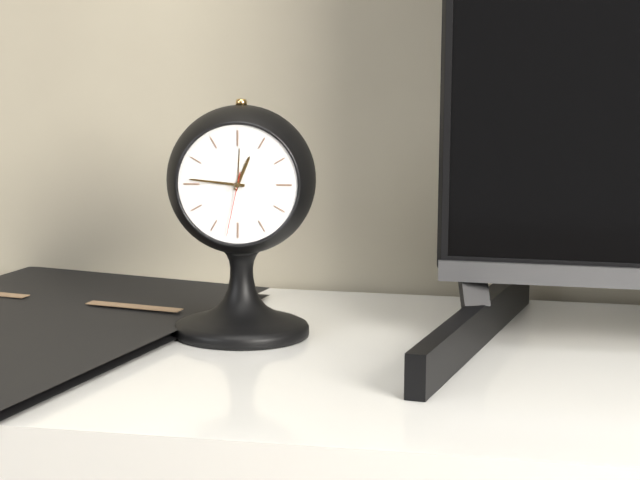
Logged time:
h=12 m=46 s=32
